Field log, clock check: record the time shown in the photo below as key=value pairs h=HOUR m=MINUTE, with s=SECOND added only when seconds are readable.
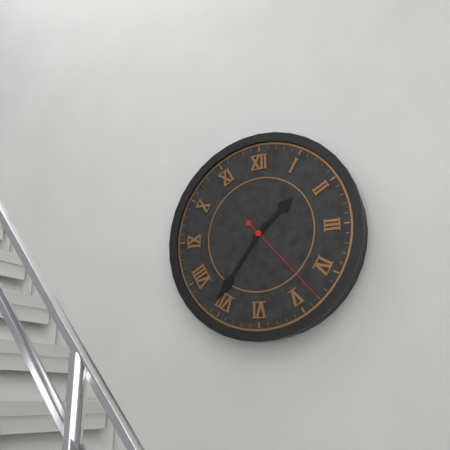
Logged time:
h=1 m=36 s=23
